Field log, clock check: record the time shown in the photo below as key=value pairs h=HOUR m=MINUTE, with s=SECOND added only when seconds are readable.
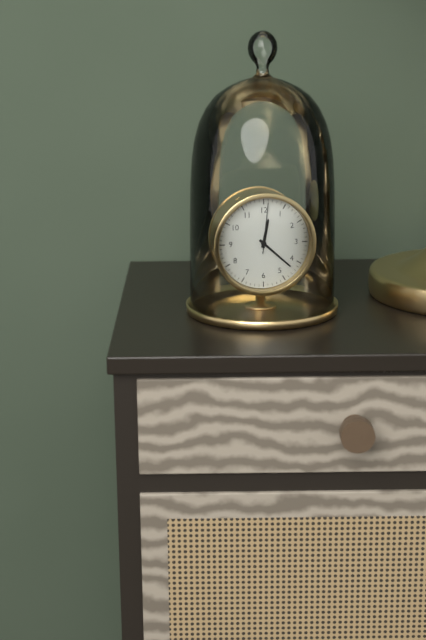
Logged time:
h=12 m=22 s=1
